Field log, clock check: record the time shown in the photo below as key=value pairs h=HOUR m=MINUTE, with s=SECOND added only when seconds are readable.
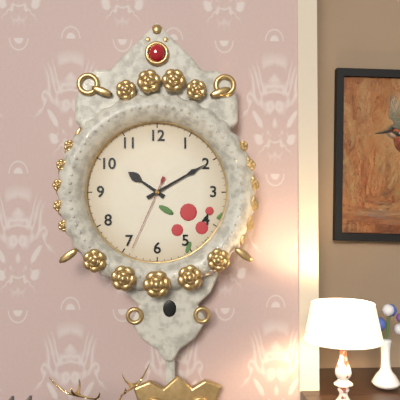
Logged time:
h=10 m=10 s=34
